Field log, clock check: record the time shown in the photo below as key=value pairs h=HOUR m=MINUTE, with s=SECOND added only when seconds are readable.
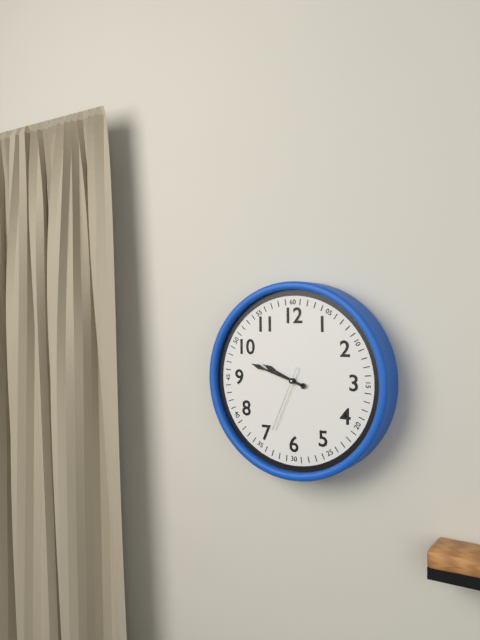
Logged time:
h=9 m=48 s=34
